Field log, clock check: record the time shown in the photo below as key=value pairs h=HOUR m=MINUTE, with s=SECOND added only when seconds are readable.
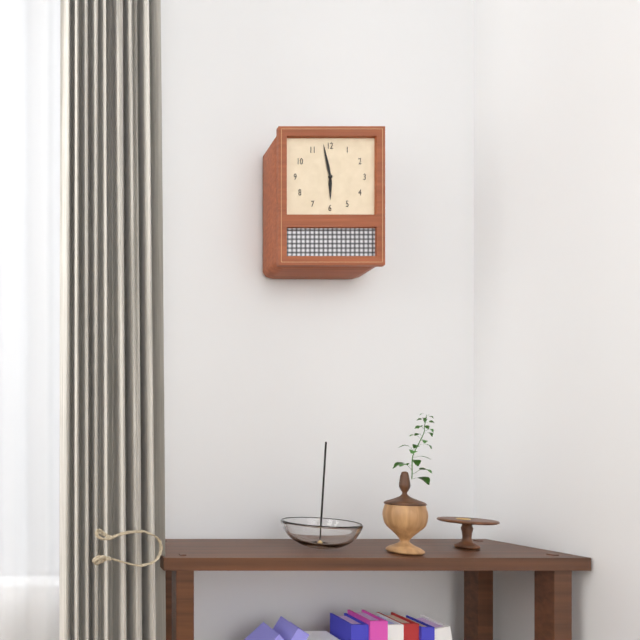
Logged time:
h=5 m=58
